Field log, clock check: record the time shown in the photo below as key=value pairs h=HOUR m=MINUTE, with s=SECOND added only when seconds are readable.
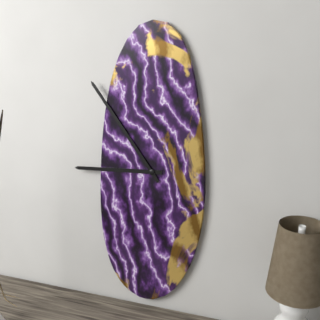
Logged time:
h=8 m=54
